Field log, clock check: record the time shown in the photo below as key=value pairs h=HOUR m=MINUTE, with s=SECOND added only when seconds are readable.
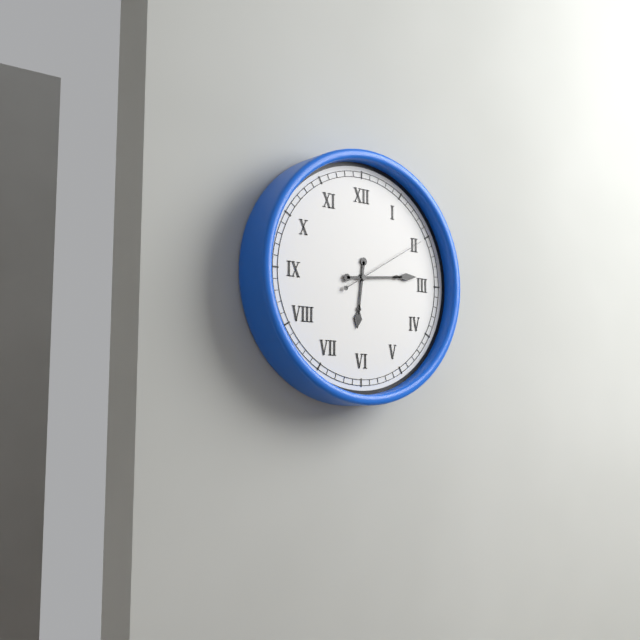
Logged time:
h=6 m=14 s=10
